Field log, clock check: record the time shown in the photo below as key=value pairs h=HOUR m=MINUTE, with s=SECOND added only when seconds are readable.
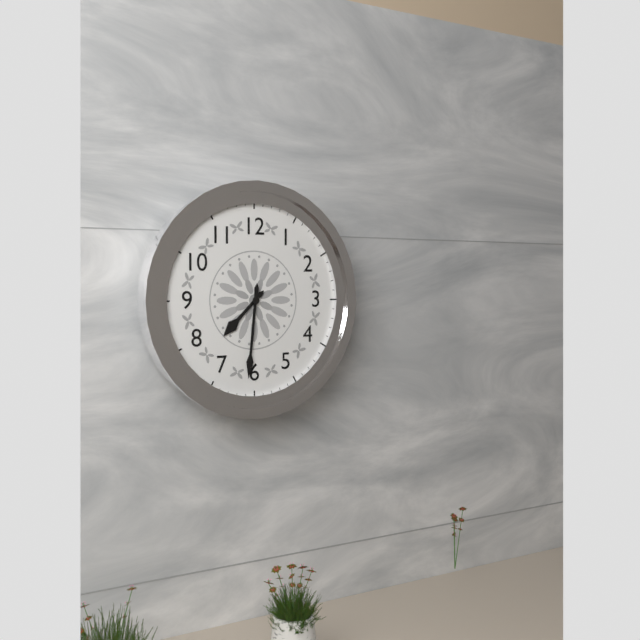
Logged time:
h=7 m=31
